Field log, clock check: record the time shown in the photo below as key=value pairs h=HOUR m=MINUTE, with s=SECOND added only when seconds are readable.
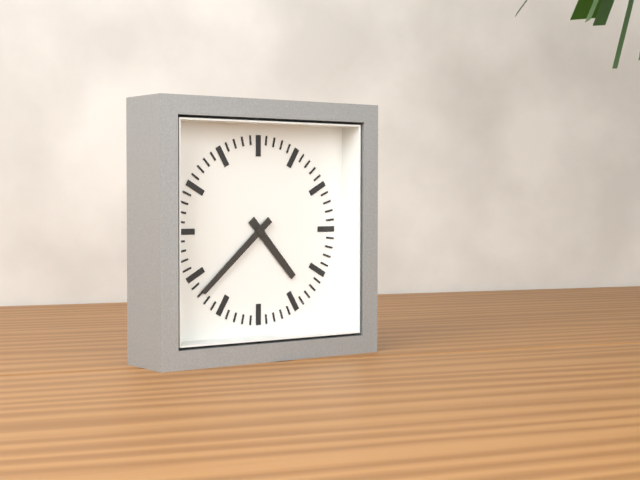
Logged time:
h=4 m=38
